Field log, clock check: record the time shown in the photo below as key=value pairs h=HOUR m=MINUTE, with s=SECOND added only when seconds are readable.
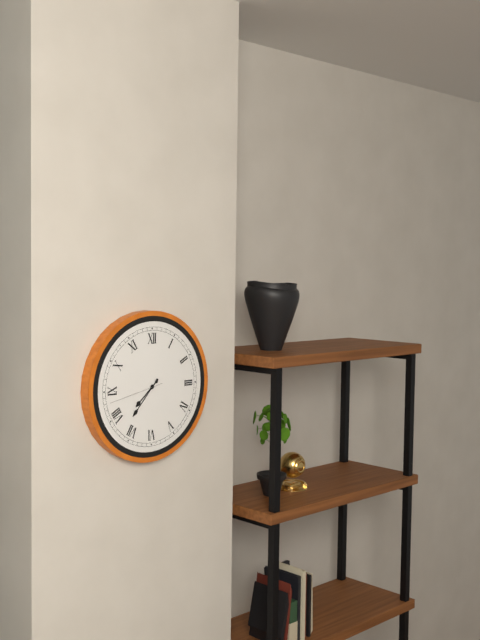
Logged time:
h=7 m=37 s=43
